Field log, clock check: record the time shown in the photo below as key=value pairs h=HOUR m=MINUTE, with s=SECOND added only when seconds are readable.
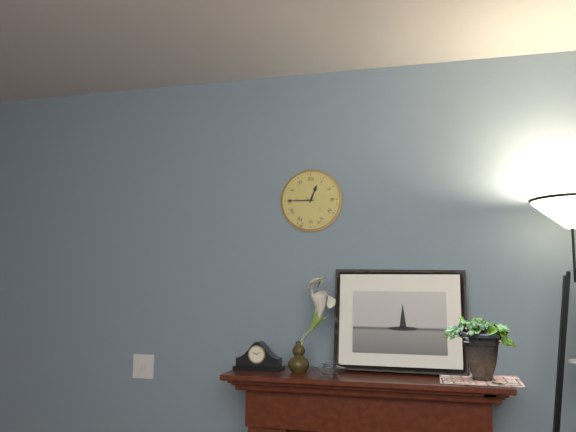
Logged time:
h=12 m=45
